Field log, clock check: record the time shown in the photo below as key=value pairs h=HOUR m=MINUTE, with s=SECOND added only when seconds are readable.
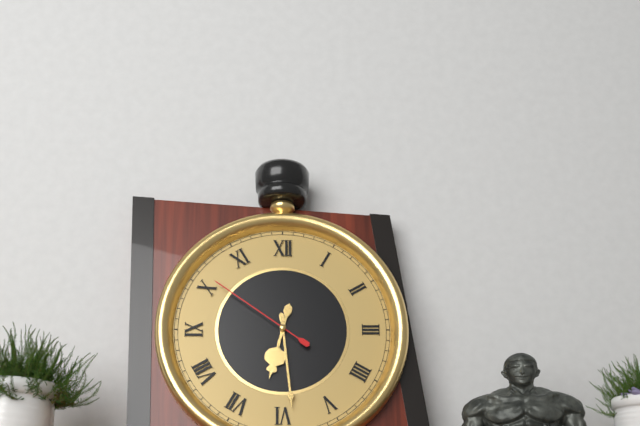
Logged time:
h=6 m=29 s=51
